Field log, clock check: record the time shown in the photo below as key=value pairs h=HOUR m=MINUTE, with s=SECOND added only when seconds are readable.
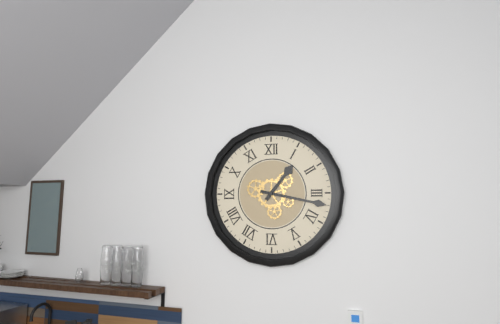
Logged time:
h=1 m=17
